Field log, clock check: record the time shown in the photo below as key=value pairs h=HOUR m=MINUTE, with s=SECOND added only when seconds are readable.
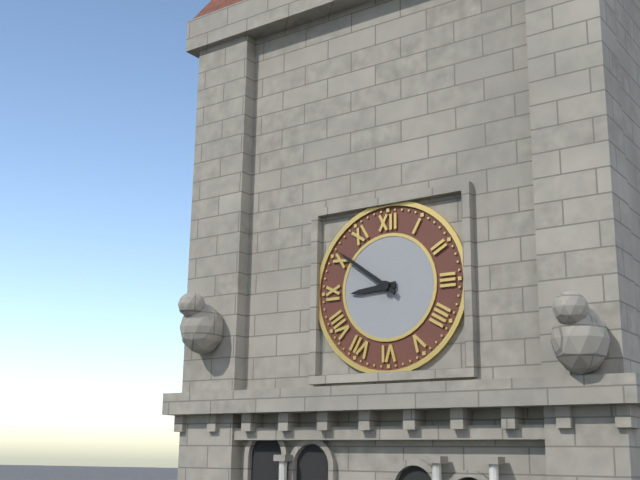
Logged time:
h=8 m=51
